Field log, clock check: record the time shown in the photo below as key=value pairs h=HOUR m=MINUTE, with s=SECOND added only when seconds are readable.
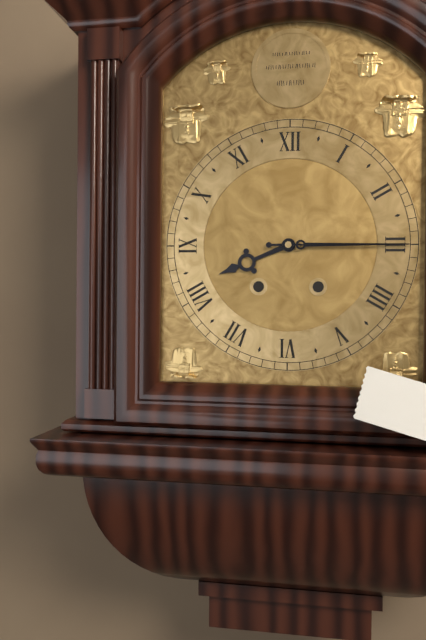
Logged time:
h=8 m=15
